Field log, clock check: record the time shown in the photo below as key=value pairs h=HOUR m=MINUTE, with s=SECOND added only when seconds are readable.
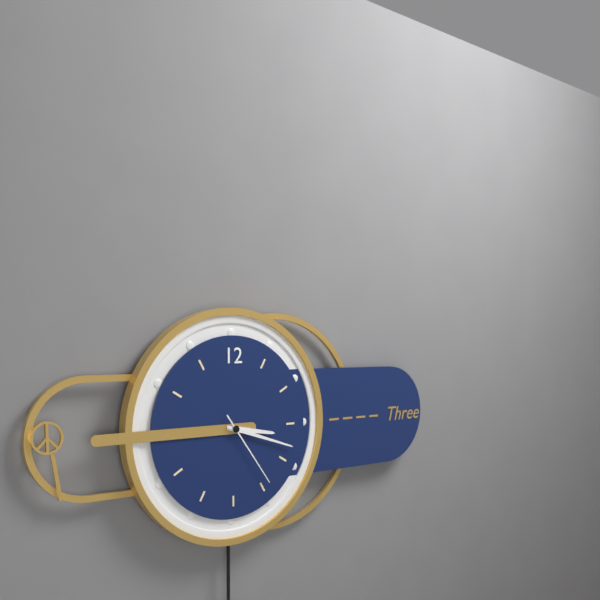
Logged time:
h=3 m=18 s=24
